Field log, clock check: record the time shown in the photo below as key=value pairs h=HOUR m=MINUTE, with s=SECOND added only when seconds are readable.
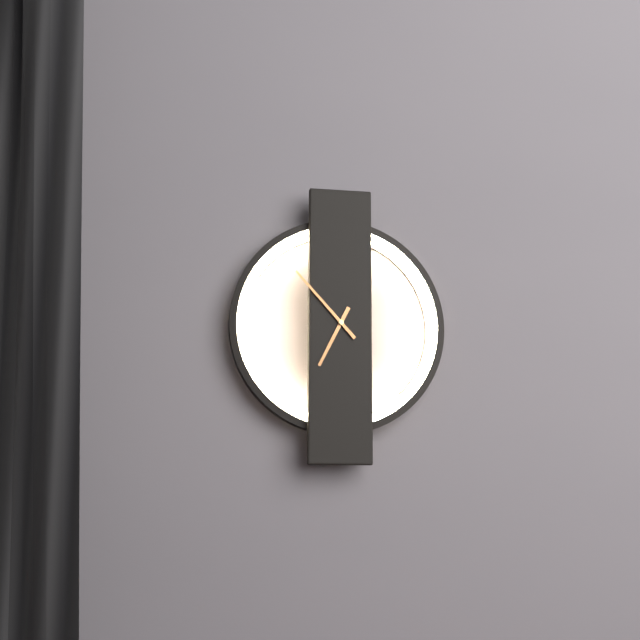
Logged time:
h=6 m=53
